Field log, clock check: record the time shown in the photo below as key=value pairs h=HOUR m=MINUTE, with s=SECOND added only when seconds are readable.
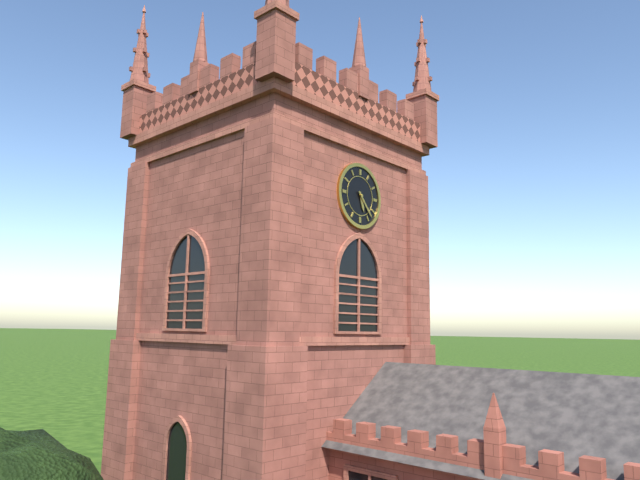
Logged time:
h=5 m=23
